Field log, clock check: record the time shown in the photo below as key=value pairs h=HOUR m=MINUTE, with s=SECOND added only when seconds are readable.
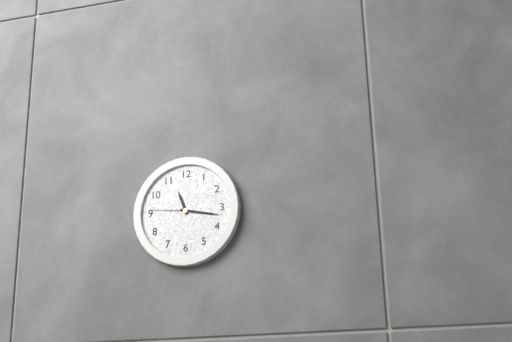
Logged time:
h=11 m=17
